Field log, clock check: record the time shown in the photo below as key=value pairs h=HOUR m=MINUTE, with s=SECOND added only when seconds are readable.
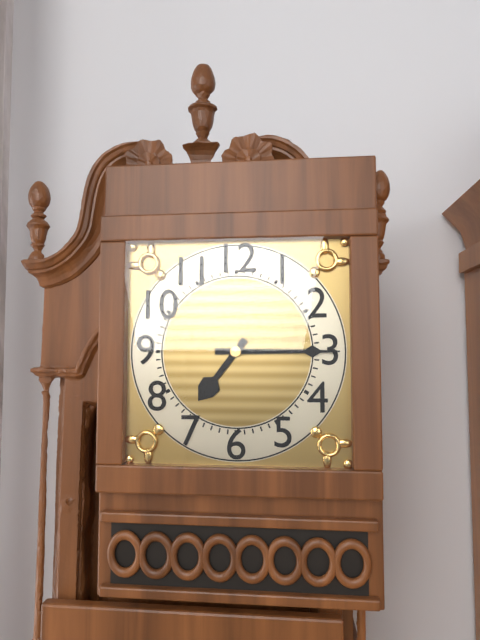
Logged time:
h=7 m=15
